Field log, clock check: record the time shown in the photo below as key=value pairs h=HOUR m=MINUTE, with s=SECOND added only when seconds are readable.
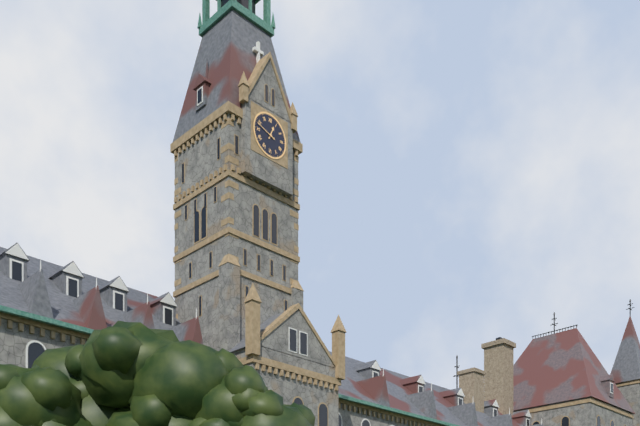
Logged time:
h=12 m=48
